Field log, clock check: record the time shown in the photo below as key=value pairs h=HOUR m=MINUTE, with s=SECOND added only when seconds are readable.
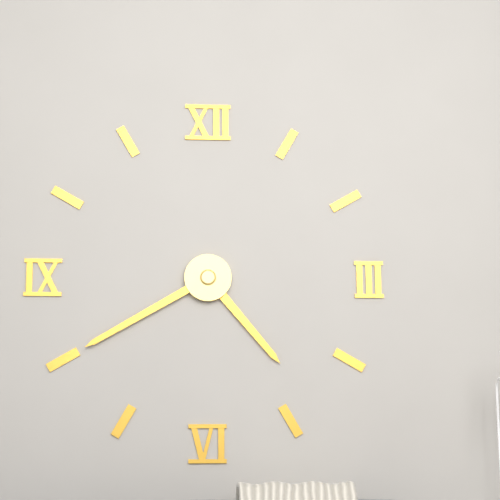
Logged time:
h=4 m=40
